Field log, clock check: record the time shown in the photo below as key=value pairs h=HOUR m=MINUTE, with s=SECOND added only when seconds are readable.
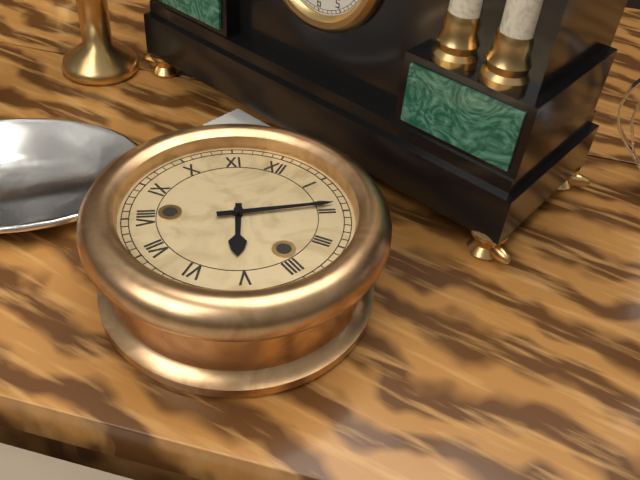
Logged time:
h=5 m=9
